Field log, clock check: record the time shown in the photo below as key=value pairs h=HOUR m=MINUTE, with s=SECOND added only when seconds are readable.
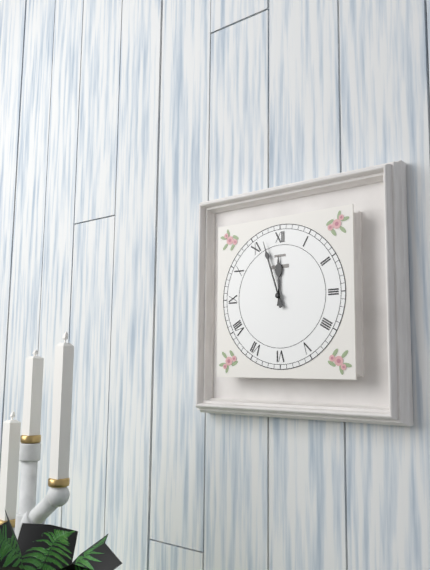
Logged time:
h=11 m=57
